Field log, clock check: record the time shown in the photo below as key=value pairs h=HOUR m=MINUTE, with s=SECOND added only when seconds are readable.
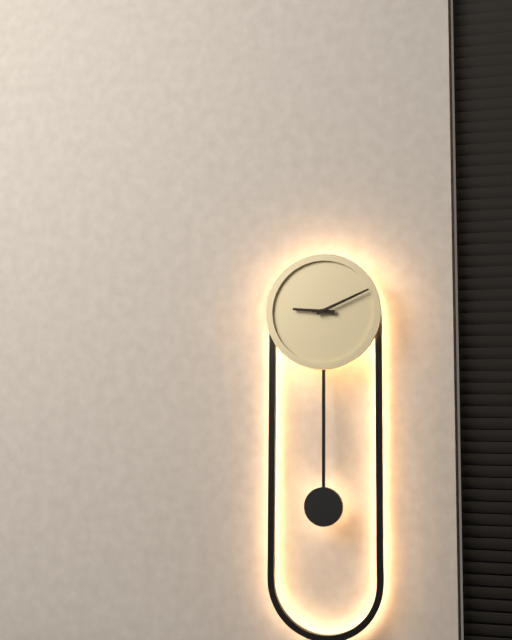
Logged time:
h=9 m=11
